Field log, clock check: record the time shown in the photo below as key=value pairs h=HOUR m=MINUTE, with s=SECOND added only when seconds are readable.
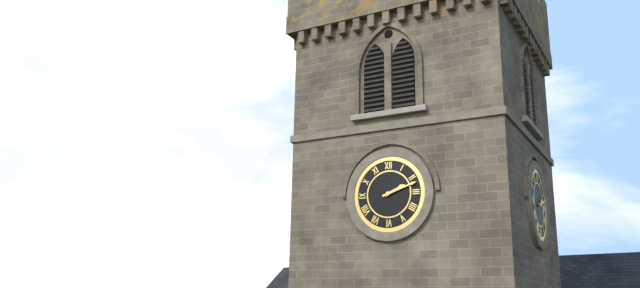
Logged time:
h=2 m=12
